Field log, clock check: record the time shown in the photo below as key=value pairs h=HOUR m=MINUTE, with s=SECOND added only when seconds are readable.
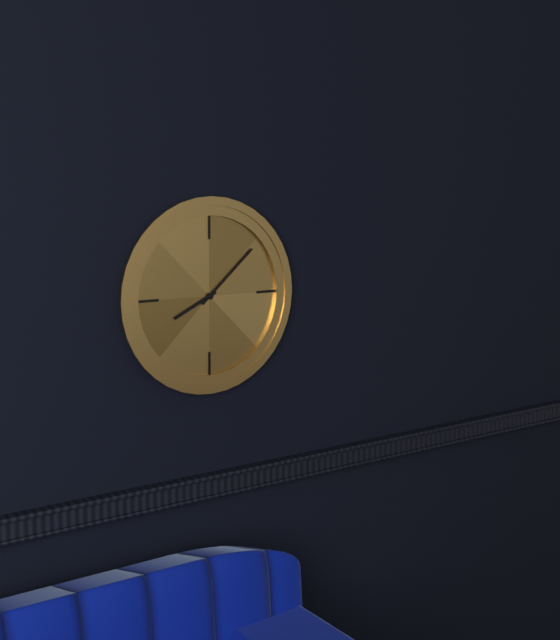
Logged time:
h=8 m=8
